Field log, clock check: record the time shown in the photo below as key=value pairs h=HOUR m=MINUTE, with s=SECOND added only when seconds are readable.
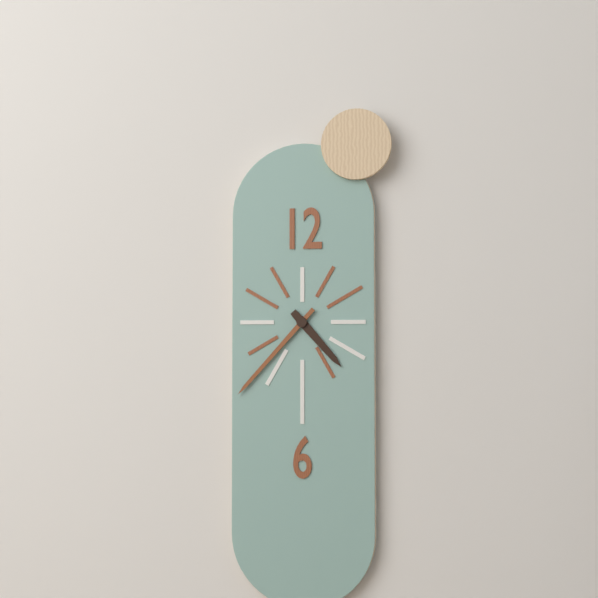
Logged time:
h=4 m=37
